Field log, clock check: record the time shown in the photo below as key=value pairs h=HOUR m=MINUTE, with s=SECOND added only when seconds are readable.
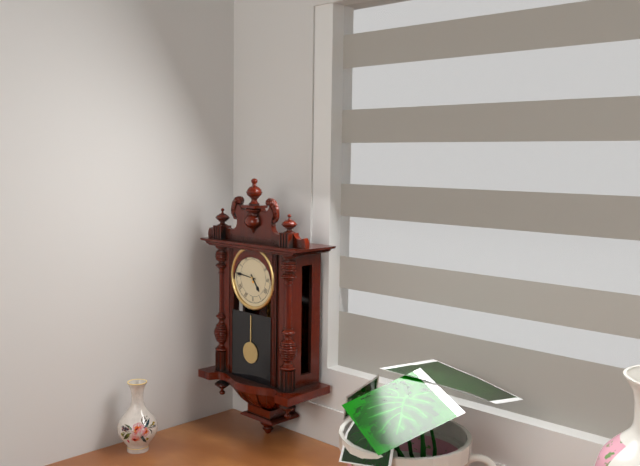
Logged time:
h=4 m=46
